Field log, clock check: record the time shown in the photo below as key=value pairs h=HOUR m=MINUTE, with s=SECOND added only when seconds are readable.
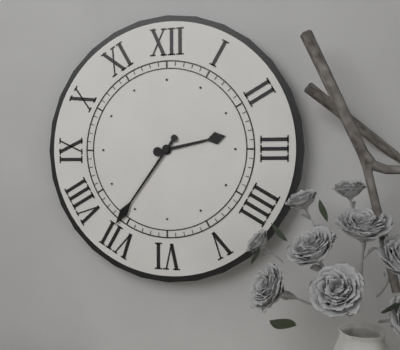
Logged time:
h=2 m=36
